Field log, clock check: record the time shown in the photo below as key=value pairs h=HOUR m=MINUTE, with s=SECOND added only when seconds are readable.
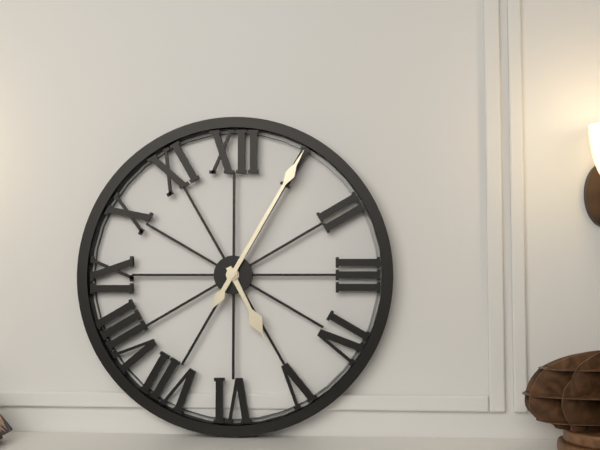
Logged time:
h=5 m=5
